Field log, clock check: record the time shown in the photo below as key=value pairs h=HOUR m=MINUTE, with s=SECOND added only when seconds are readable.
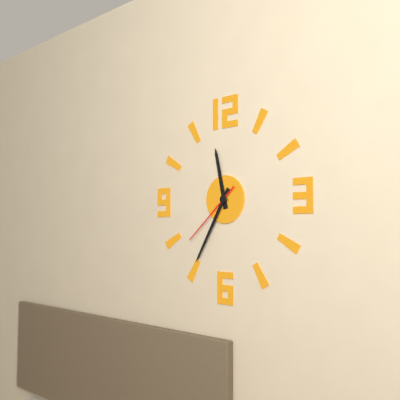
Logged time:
h=11 m=35 s=38
